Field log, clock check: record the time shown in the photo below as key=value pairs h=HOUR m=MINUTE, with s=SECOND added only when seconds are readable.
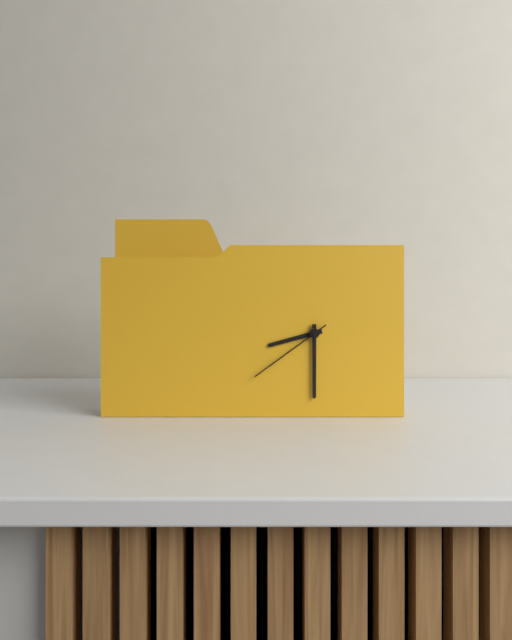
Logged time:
h=8 m=30 s=39
